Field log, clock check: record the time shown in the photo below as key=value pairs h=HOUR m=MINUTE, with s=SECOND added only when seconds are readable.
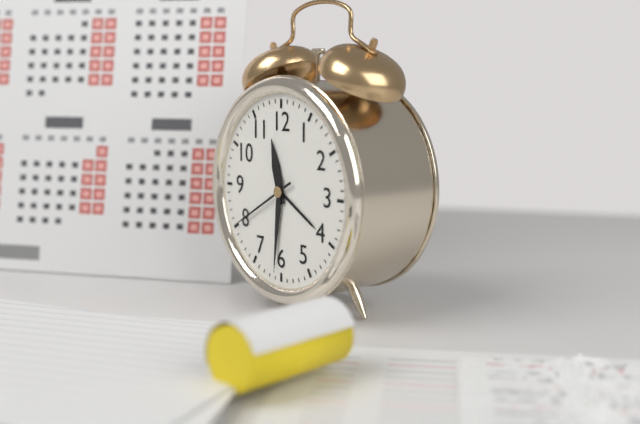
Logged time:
h=11 m=31 s=40
